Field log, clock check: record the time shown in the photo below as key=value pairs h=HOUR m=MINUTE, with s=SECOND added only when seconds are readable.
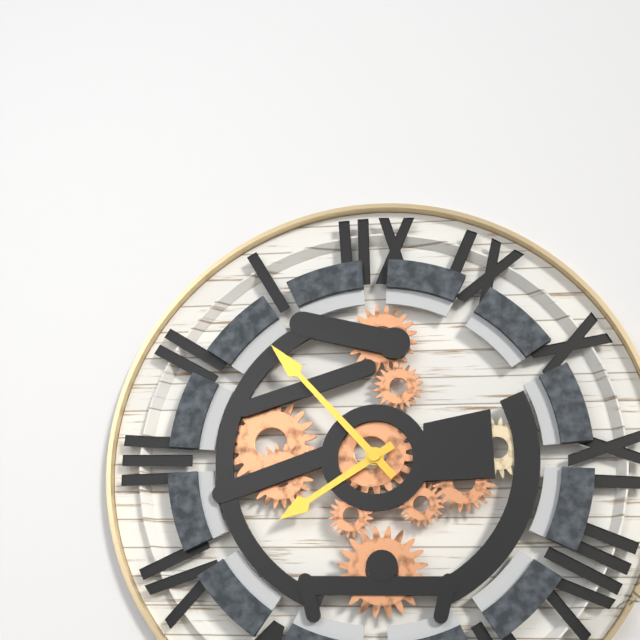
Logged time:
h=7 m=53
